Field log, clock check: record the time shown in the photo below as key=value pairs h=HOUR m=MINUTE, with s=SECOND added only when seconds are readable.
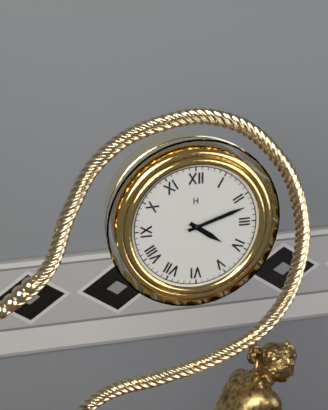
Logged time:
h=4 m=12
